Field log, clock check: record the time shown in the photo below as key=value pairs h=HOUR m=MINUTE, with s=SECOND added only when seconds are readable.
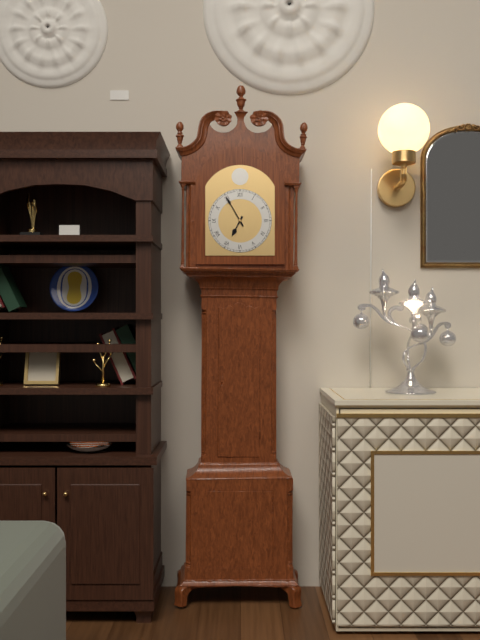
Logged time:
h=6 m=55
